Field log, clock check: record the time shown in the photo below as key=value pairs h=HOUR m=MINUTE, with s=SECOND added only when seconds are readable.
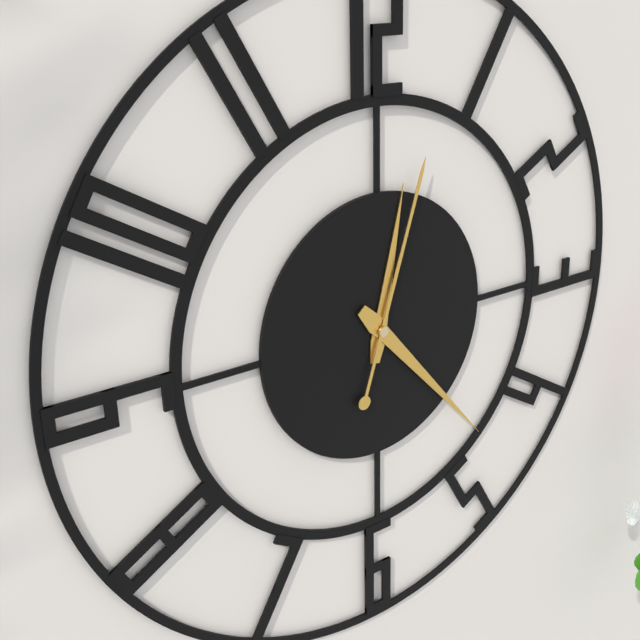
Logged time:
h=12 m=23 s=3
